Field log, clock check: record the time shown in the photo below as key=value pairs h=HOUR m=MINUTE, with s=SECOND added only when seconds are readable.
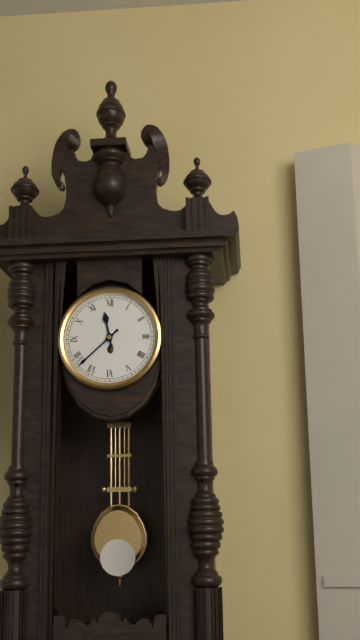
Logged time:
h=11 m=38
